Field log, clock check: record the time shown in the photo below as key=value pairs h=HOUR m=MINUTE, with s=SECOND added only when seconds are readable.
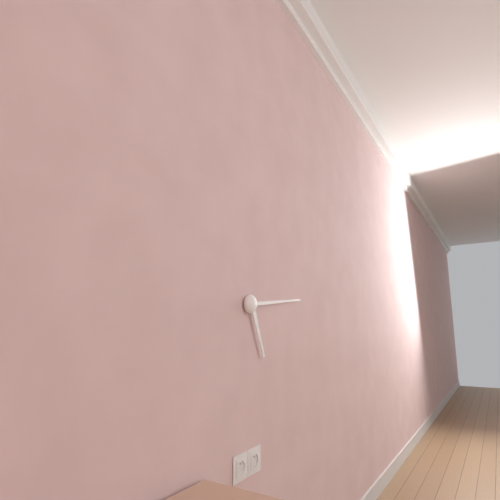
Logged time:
h=5 m=14
